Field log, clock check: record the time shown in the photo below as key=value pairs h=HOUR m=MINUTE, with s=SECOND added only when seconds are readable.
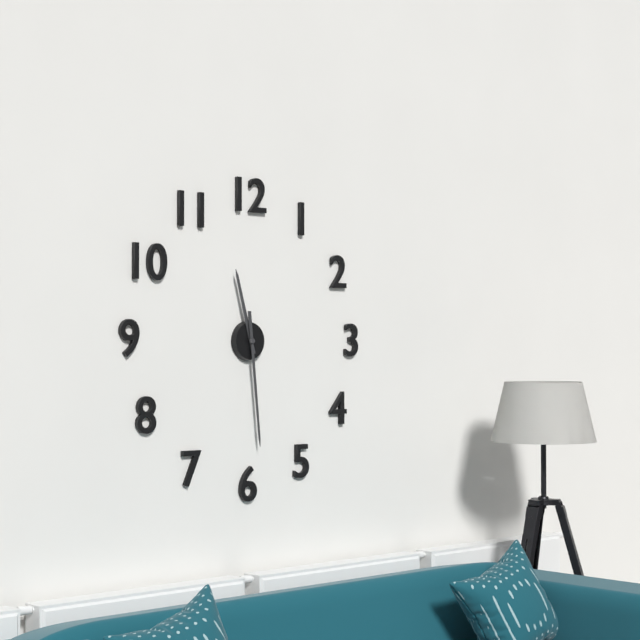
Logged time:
h=11 m=29
